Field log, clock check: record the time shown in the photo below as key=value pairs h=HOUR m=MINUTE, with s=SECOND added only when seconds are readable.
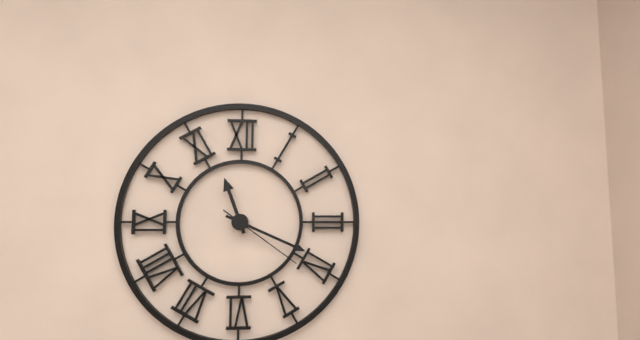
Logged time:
h=11 m=19 s=21
